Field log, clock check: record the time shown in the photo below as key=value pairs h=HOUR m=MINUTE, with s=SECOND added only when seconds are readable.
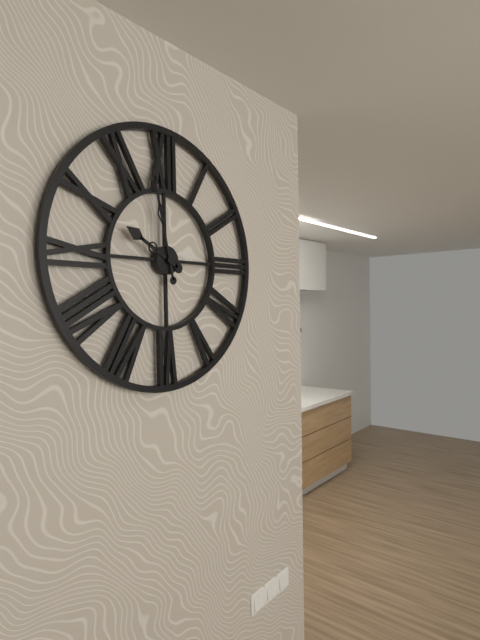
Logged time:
h=9 m=58
